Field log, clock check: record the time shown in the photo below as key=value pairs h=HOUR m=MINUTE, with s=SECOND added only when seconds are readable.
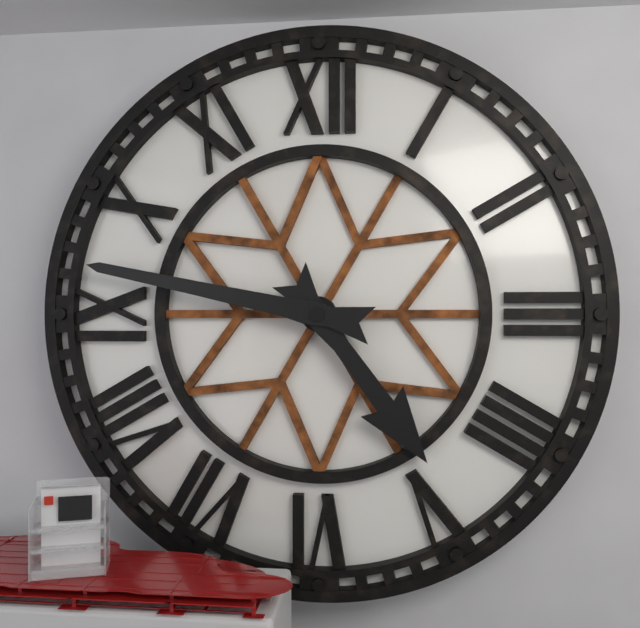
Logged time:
h=4 m=47
